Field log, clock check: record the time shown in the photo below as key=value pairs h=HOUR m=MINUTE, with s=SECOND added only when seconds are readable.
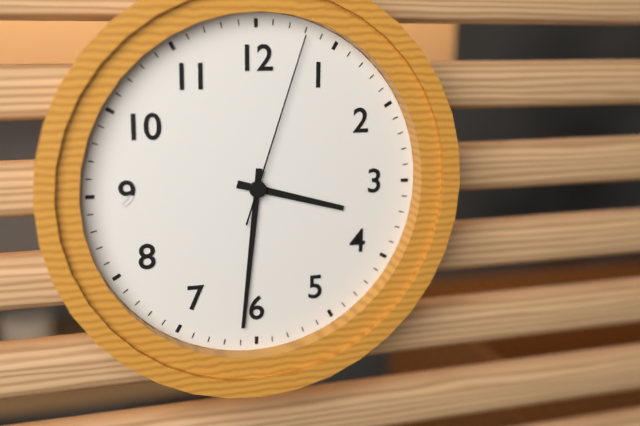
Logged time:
h=3 m=31 s=3
